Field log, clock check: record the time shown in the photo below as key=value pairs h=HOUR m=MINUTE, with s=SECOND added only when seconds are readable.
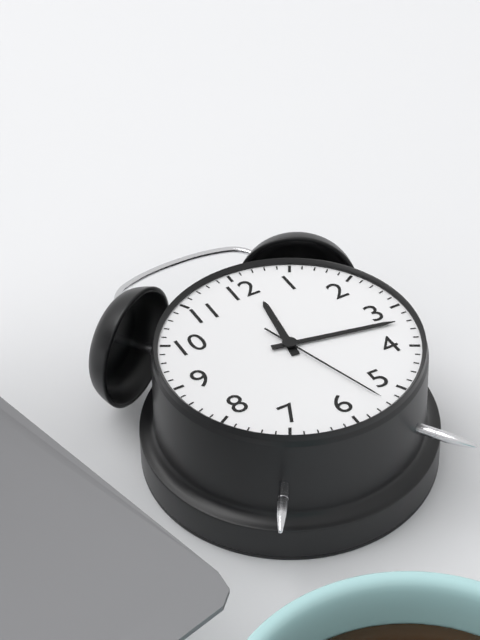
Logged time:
h=12 m=17 s=27
